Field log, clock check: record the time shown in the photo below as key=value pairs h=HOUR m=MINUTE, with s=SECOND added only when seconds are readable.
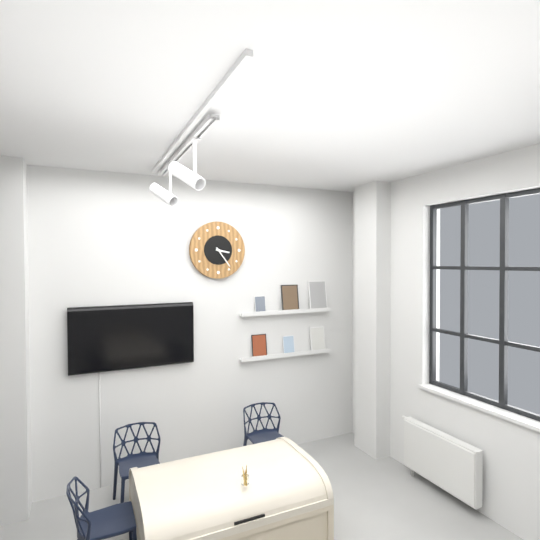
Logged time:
h=3 m=24
